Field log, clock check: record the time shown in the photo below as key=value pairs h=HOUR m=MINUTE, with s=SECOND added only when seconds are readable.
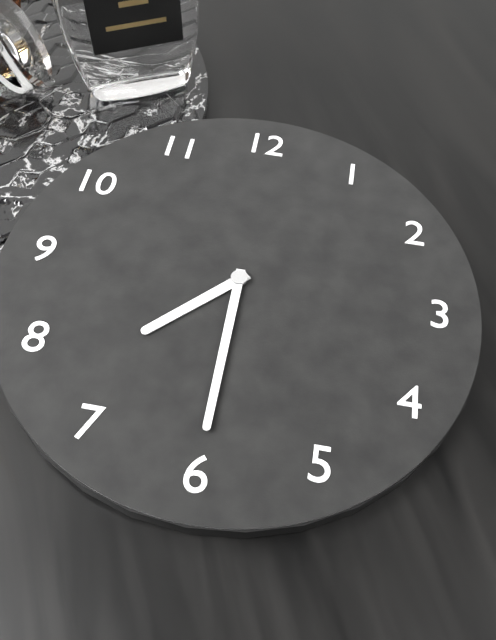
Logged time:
h=7 m=30
